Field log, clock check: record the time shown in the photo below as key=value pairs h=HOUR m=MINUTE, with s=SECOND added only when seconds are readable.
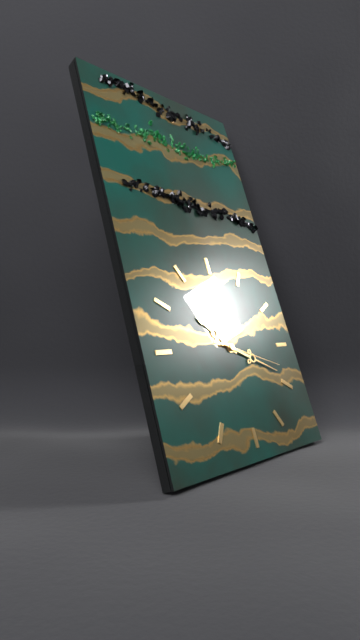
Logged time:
h=10 m=19 s=18
